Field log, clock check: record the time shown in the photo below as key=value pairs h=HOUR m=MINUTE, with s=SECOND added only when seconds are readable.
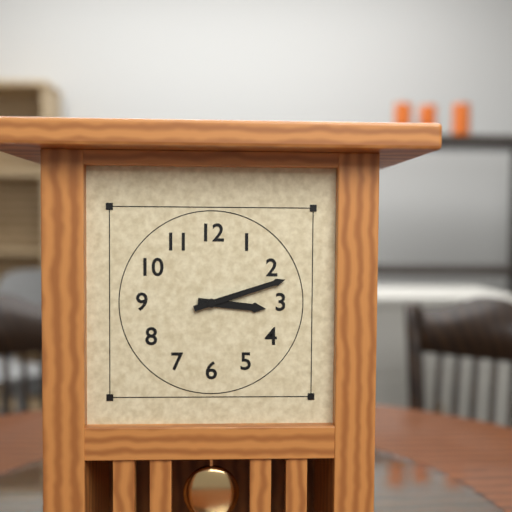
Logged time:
h=3 m=12
